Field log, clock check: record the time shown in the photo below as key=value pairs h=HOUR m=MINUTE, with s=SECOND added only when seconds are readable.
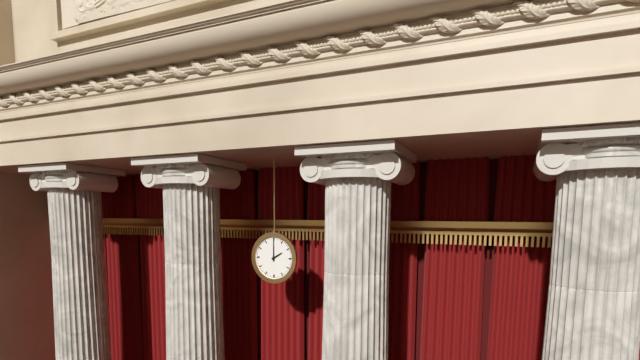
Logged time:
h=2 m=0
